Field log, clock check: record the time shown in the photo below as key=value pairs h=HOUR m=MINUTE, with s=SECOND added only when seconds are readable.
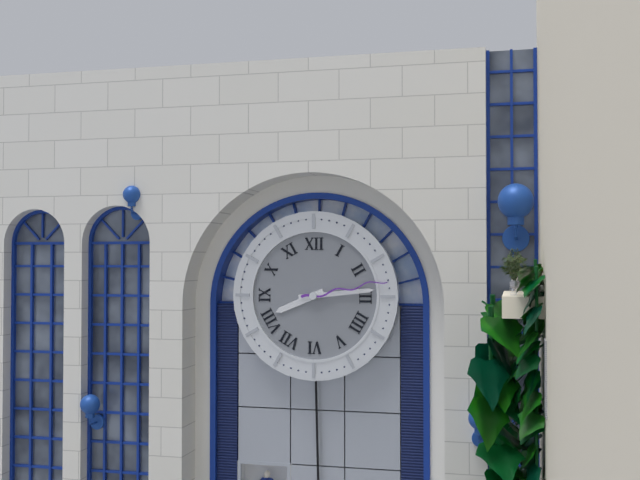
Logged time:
h=8 m=14 s=13
